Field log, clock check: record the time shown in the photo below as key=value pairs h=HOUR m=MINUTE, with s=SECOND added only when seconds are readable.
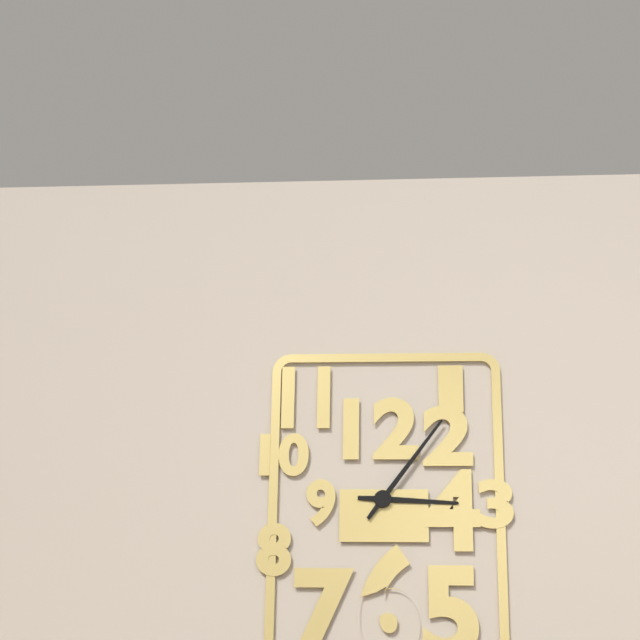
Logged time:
h=3 m=6
